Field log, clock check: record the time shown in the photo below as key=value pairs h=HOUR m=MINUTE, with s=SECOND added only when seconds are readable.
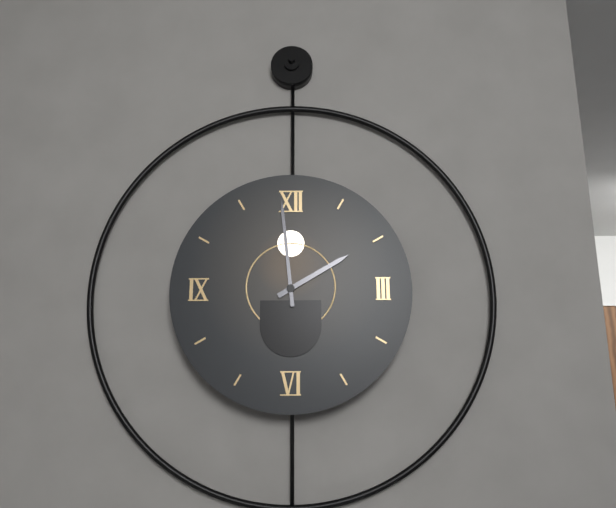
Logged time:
h=1 m=59
